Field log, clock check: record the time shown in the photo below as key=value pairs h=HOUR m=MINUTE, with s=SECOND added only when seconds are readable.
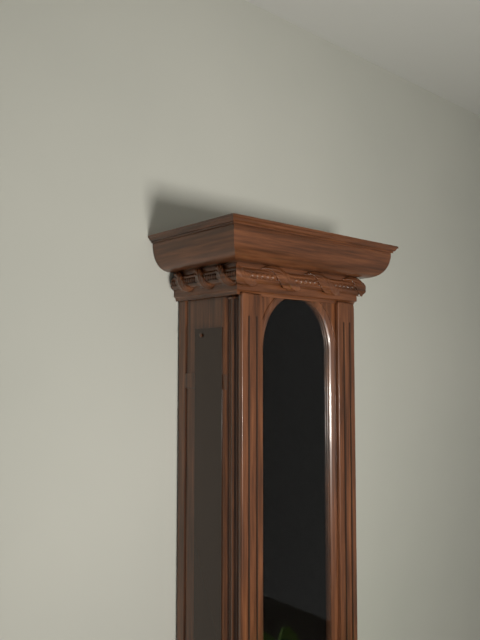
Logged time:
h=10 m=44
